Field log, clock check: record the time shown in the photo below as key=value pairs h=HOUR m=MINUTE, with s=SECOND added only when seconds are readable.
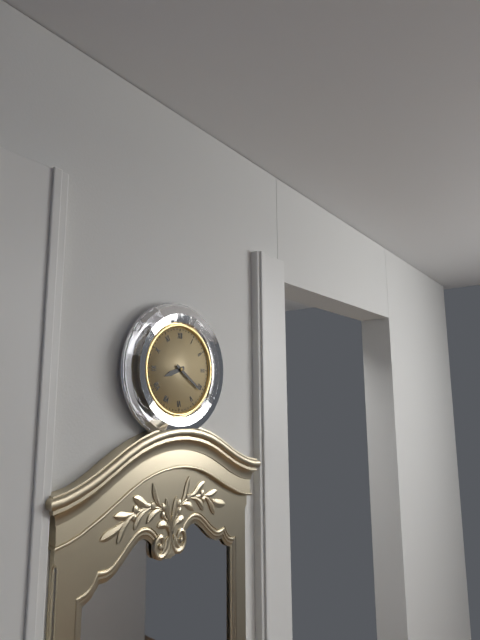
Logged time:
h=8 m=21
